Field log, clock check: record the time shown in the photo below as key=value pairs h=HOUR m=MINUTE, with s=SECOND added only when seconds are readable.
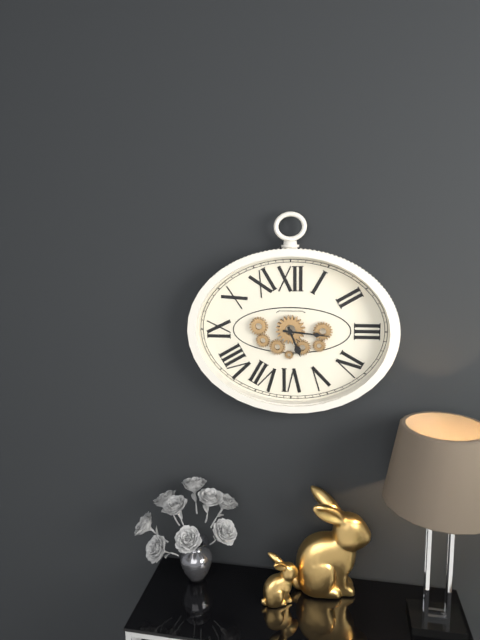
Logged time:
h=5 m=16
